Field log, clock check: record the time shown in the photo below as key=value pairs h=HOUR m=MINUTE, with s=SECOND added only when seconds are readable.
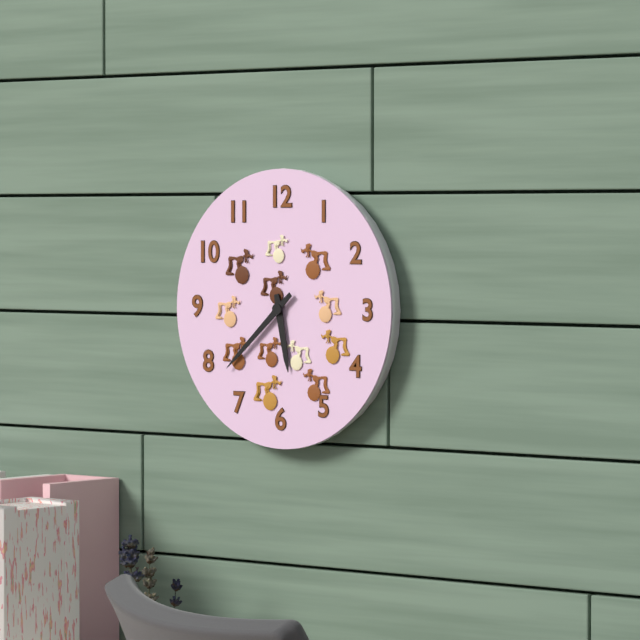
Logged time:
h=5 m=38
